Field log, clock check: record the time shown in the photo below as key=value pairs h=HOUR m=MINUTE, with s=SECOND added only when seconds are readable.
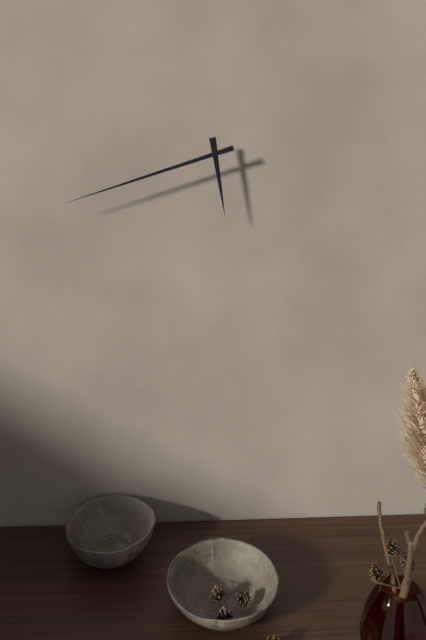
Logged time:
h=5 m=42
